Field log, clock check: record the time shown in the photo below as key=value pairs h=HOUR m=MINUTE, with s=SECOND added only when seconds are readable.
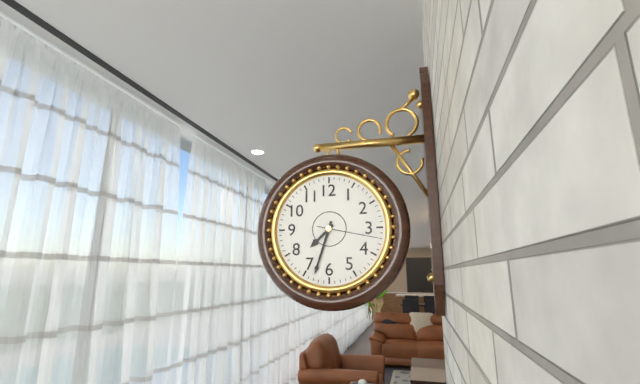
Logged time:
h=7 m=33 s=17
